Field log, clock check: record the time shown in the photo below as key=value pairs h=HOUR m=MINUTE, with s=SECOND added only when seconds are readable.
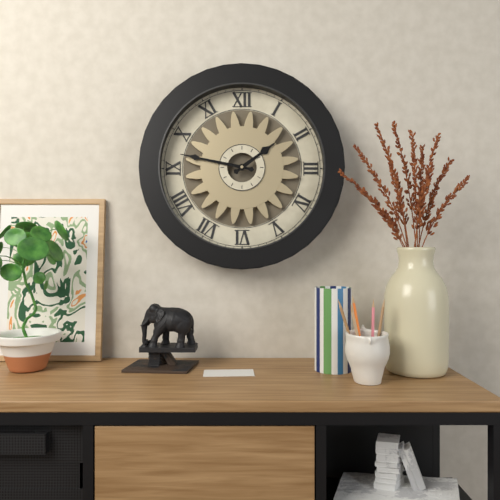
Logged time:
h=1 m=47
